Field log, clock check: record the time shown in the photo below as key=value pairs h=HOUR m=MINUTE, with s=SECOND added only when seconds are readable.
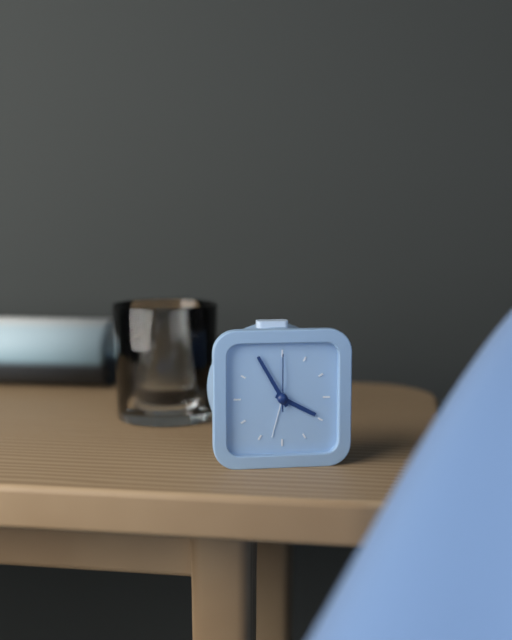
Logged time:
h=3 m=55 s=0
